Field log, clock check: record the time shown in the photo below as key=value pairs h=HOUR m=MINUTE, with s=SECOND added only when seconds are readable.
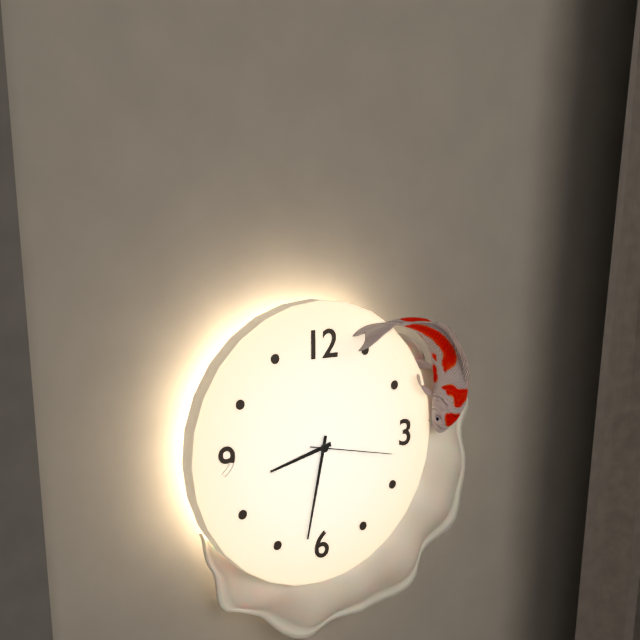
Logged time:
h=8 m=32 s=17
